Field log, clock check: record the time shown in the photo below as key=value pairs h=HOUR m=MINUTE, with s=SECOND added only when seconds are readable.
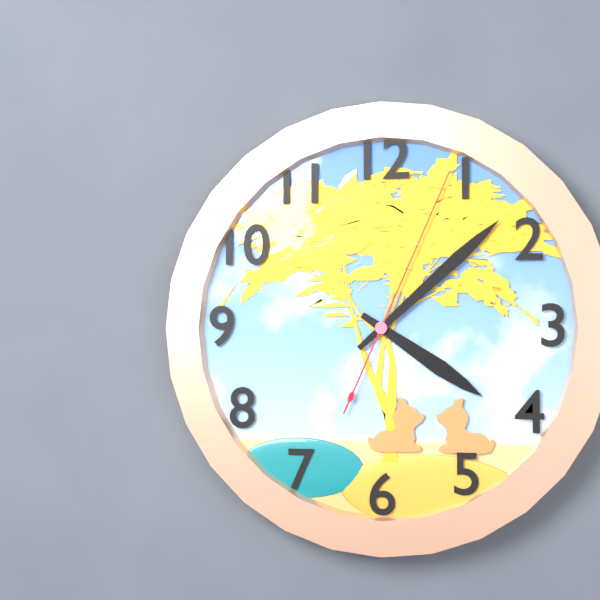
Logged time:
h=4 m=8 s=4
